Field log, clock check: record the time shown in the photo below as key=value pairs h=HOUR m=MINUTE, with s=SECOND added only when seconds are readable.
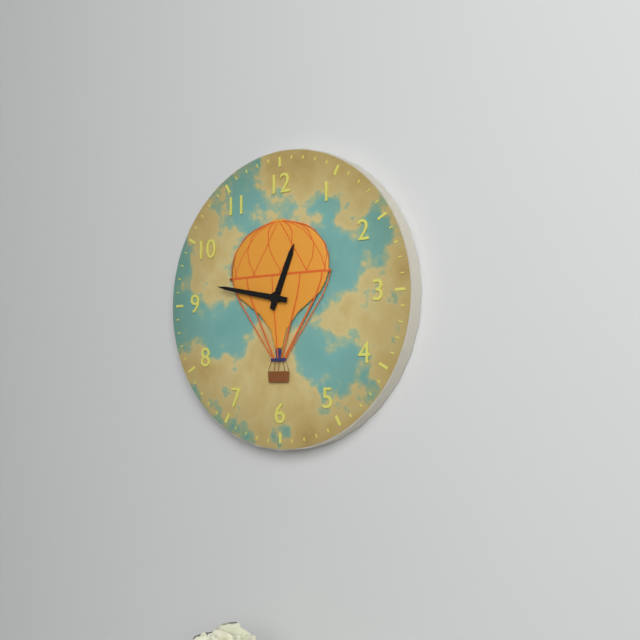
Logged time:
h=12 m=47
